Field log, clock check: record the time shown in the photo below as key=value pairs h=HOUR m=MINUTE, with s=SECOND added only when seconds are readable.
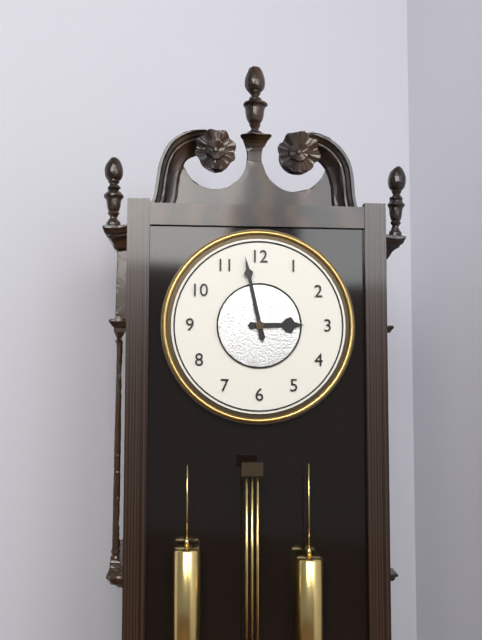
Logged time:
h=2 m=58
